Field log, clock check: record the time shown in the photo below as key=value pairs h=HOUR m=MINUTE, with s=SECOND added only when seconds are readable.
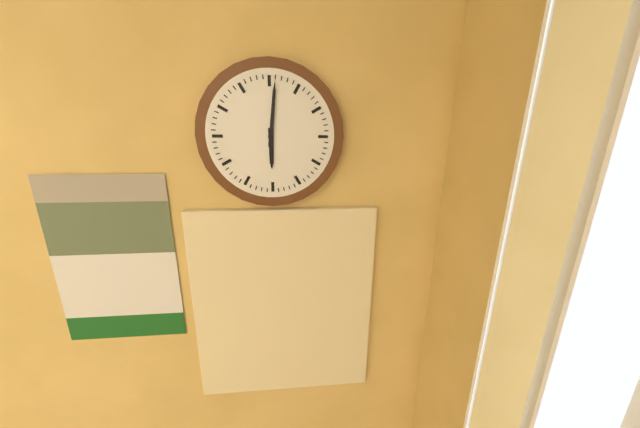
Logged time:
h=6 m=1
